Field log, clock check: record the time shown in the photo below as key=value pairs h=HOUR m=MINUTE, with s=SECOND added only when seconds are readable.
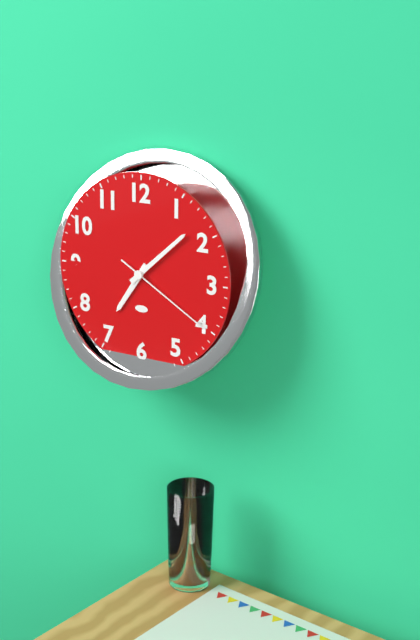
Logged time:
h=7 m=8 s=20
